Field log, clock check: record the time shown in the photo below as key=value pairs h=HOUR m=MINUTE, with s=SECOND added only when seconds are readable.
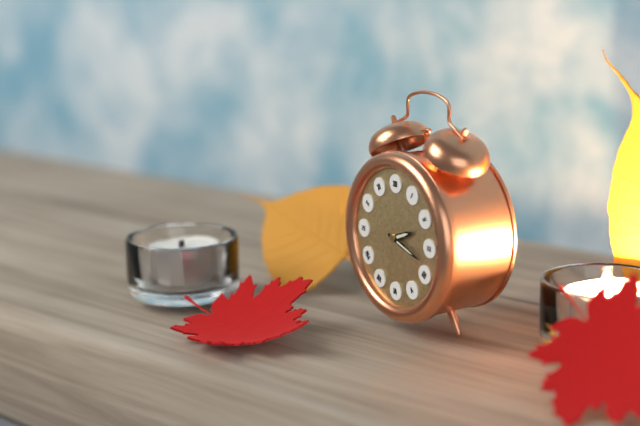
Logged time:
h=2 m=18
